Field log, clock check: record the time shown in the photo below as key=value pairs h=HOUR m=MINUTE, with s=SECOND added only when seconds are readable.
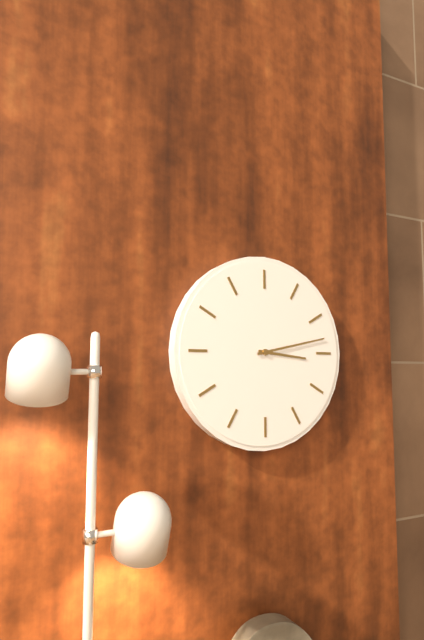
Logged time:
h=3 m=13
